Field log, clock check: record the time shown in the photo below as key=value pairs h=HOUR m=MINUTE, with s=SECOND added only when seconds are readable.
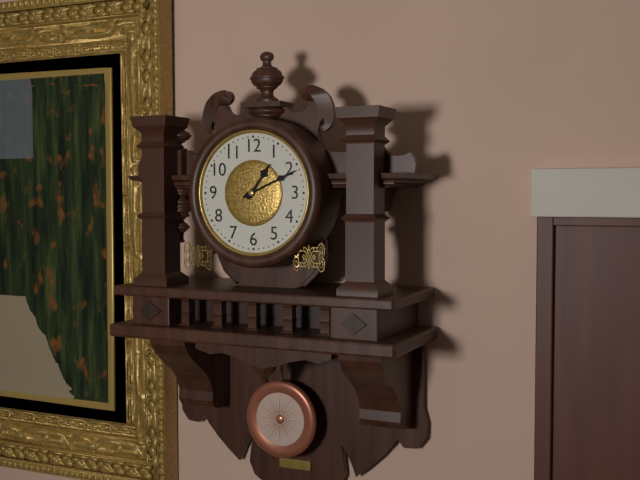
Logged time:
h=1 m=11
